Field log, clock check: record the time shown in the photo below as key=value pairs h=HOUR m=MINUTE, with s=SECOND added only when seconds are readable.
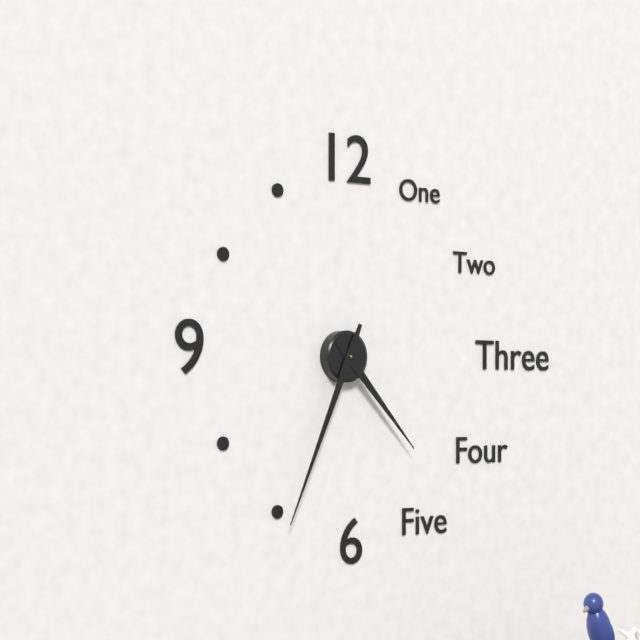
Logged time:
h=4 m=34
